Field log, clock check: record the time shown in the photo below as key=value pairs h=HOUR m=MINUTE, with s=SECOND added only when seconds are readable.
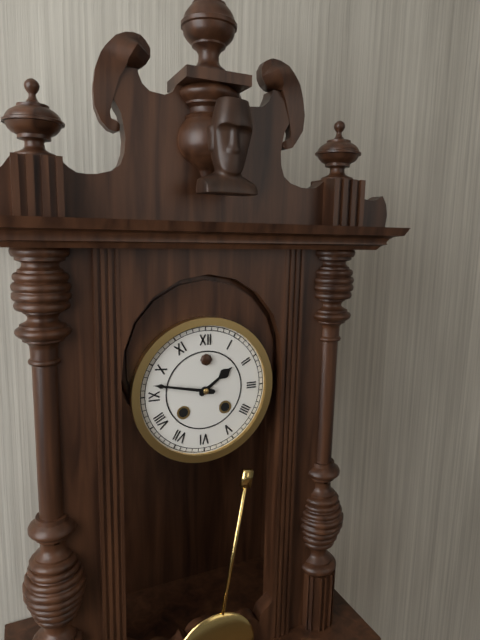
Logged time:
h=1 m=47
